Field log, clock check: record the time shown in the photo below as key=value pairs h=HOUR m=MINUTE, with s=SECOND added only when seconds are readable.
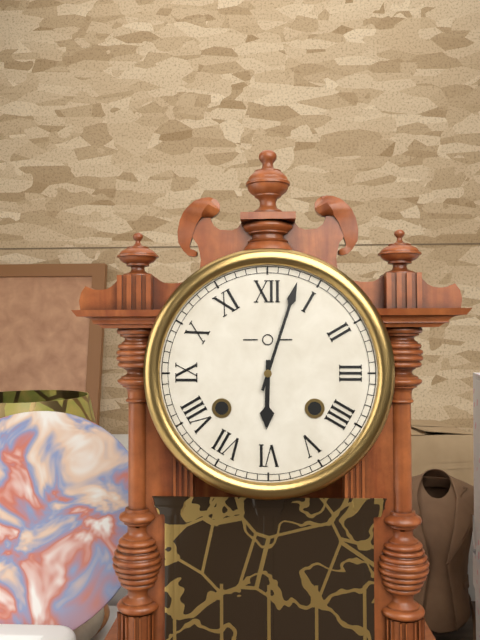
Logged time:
h=6 m=3
